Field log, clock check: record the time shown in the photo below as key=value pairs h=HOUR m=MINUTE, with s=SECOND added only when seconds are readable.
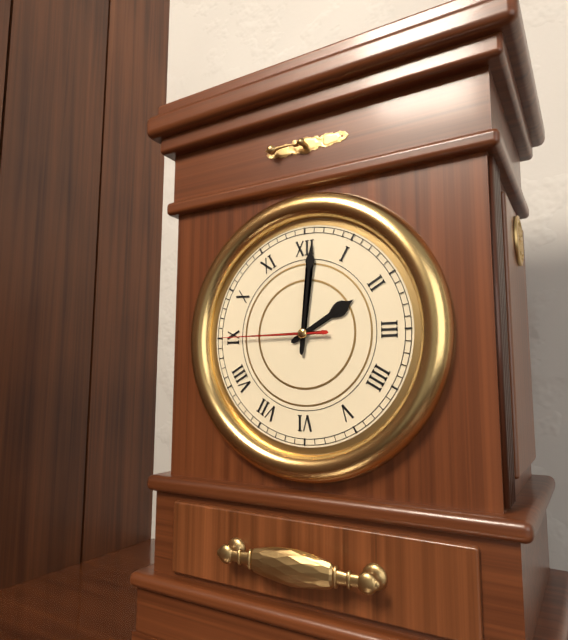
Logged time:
h=2 m=1 s=45
